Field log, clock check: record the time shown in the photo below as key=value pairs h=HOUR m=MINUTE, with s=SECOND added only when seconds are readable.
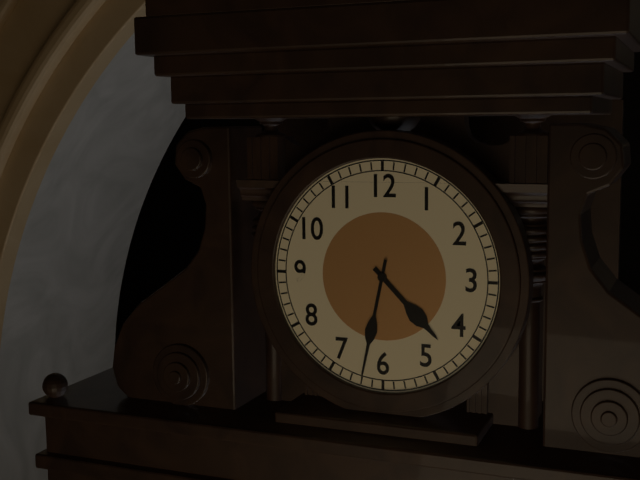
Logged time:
h=4 m=32
